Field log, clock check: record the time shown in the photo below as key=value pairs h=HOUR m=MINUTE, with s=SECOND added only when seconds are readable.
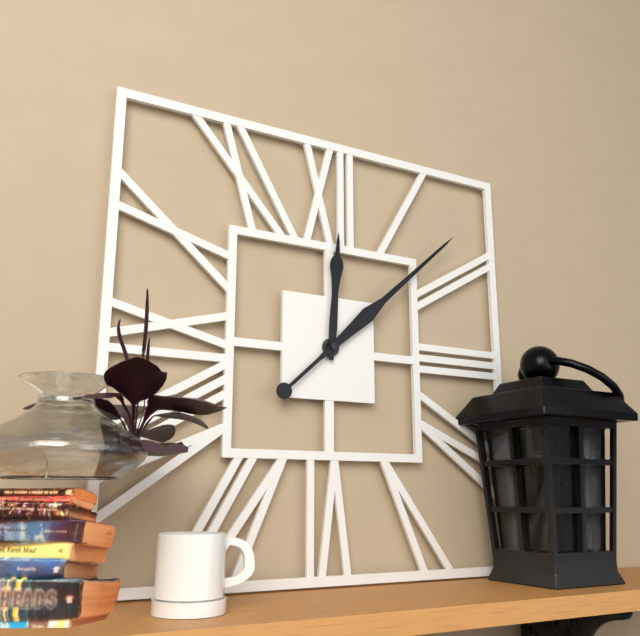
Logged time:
h=12 m=8
